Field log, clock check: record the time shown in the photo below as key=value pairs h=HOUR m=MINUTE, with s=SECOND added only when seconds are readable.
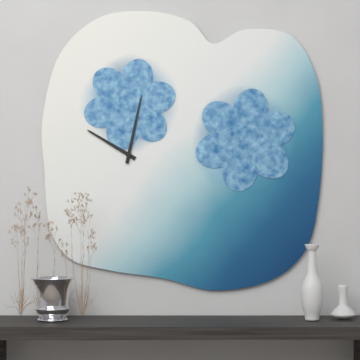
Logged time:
h=10 m=2
